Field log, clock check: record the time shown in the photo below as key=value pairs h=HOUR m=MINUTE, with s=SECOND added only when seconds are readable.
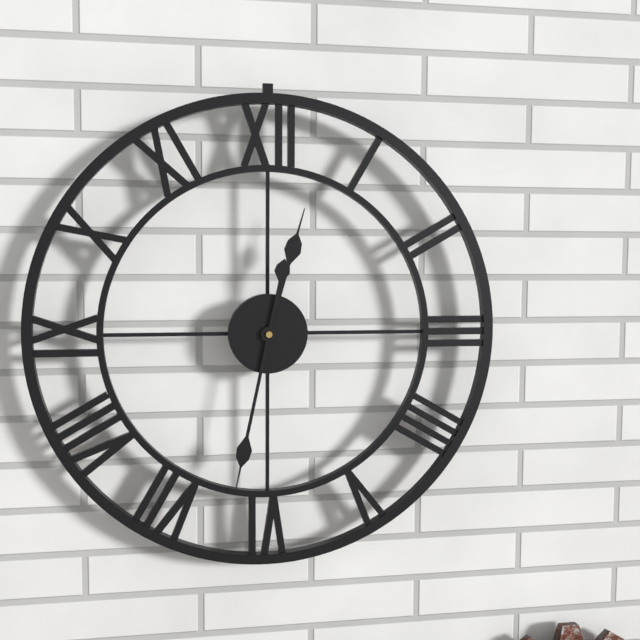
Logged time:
h=12 m=32
